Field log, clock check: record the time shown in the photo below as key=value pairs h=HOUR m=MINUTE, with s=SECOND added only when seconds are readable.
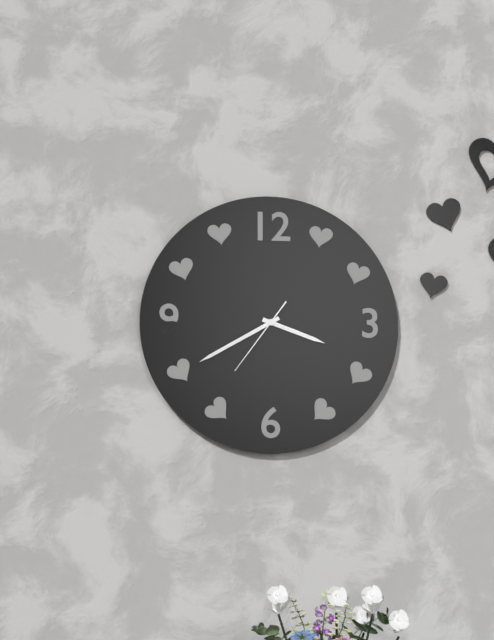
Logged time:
h=3 m=40 s=36
